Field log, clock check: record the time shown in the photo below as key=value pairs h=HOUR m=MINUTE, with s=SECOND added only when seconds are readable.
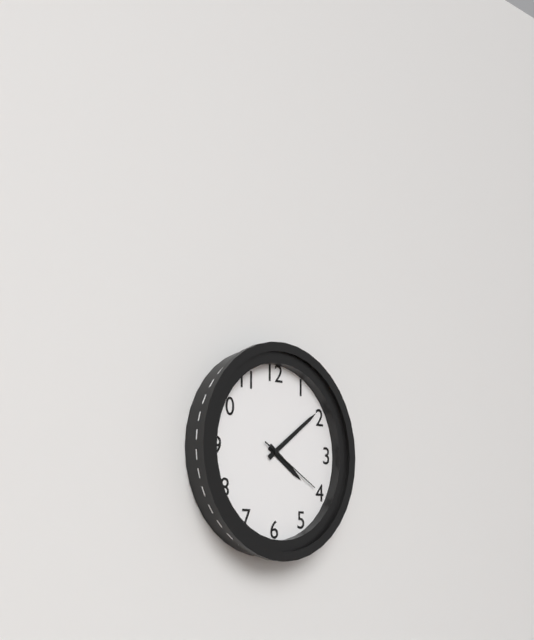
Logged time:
h=4 m=9 s=20
